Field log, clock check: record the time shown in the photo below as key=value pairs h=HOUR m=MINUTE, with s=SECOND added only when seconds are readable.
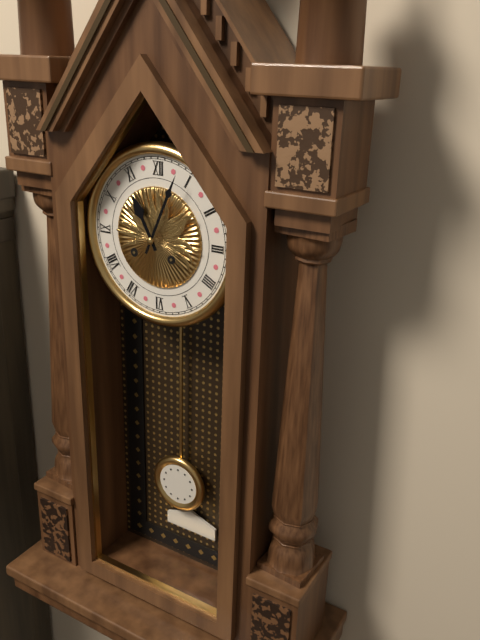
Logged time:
h=11 m=4
